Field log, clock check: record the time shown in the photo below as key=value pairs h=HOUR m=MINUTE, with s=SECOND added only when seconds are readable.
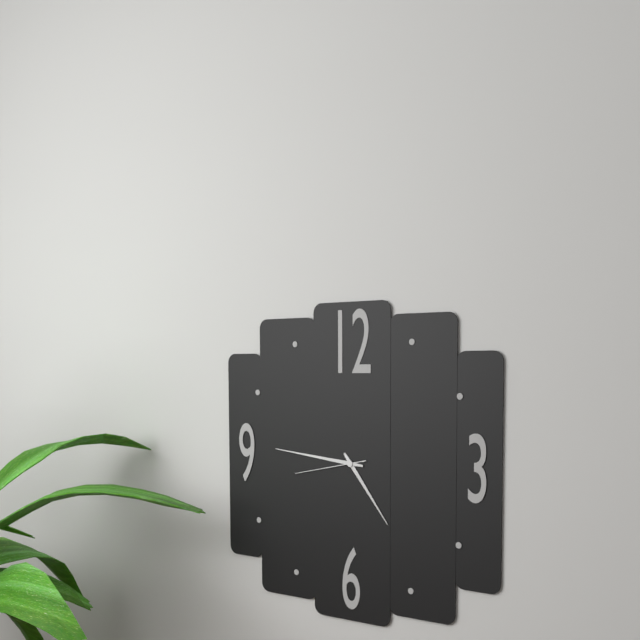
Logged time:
h=4 m=46 s=43
